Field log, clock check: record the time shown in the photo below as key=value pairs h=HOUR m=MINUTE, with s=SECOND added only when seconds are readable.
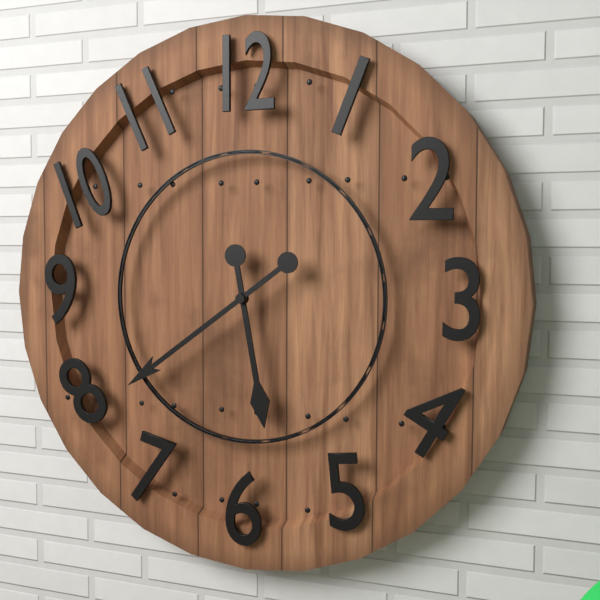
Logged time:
h=5 m=39
